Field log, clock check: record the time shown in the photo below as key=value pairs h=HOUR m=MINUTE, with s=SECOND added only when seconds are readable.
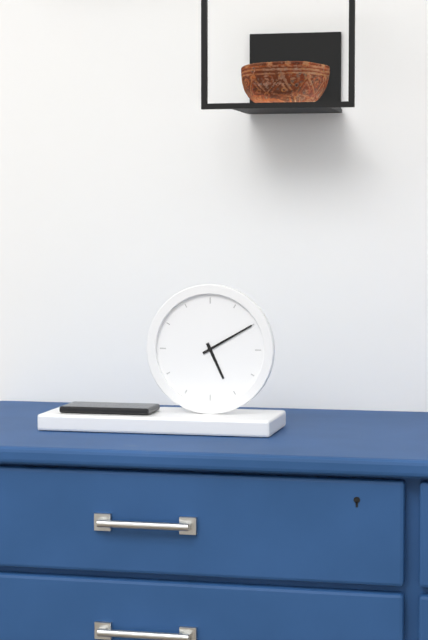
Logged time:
h=5 m=10
